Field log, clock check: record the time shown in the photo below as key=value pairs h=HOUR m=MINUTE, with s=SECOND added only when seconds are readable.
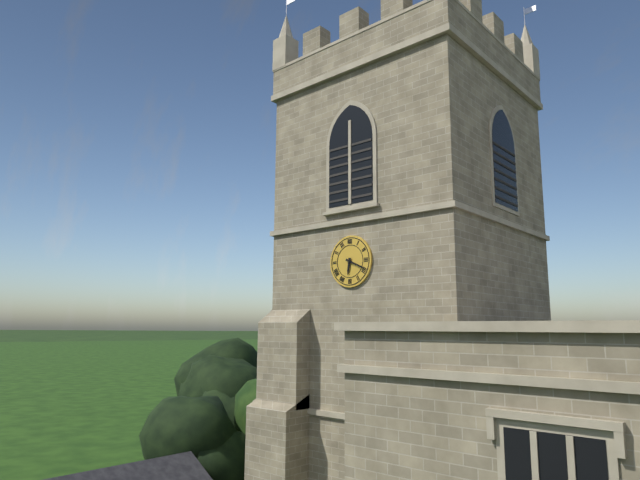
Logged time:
h=6 m=19
